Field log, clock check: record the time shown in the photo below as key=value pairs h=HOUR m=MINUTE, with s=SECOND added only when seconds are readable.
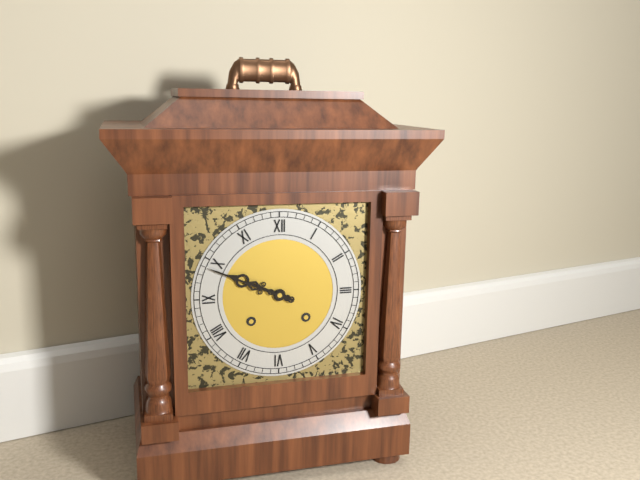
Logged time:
h=9 m=49
